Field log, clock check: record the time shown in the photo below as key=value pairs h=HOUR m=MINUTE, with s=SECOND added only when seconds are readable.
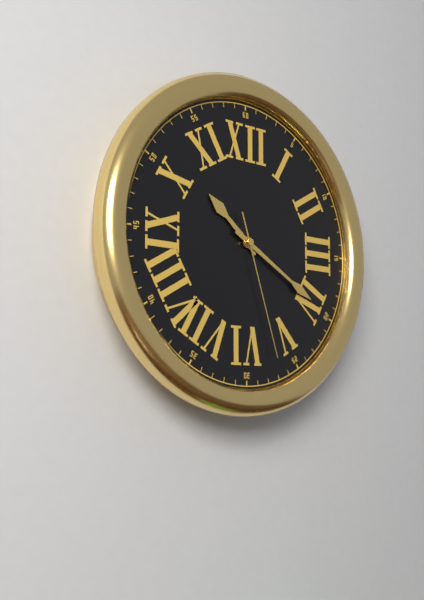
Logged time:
h=10 m=20 s=27
